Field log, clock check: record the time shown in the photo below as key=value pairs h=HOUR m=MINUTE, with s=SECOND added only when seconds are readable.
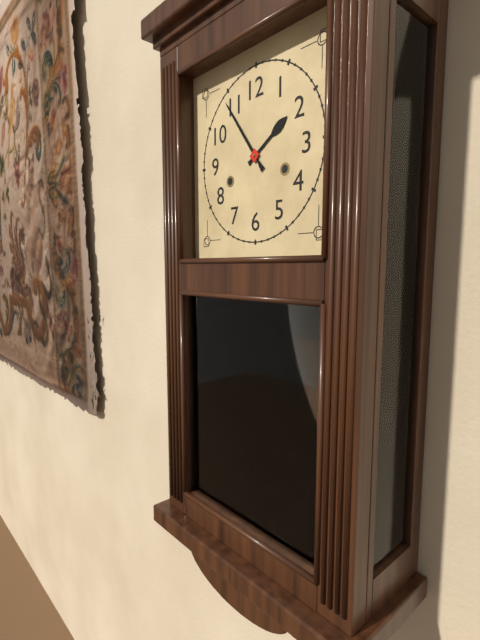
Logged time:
h=1 m=54
